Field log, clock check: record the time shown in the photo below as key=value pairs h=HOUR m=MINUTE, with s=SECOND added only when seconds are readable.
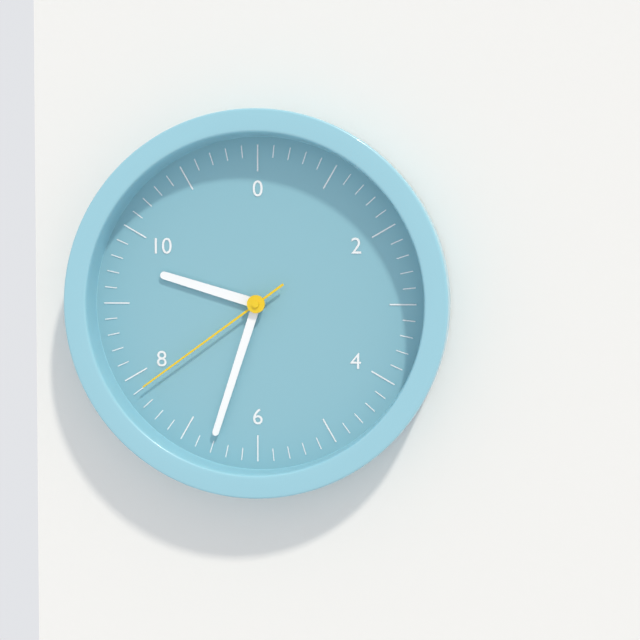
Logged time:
h=9 m=33 s=39
